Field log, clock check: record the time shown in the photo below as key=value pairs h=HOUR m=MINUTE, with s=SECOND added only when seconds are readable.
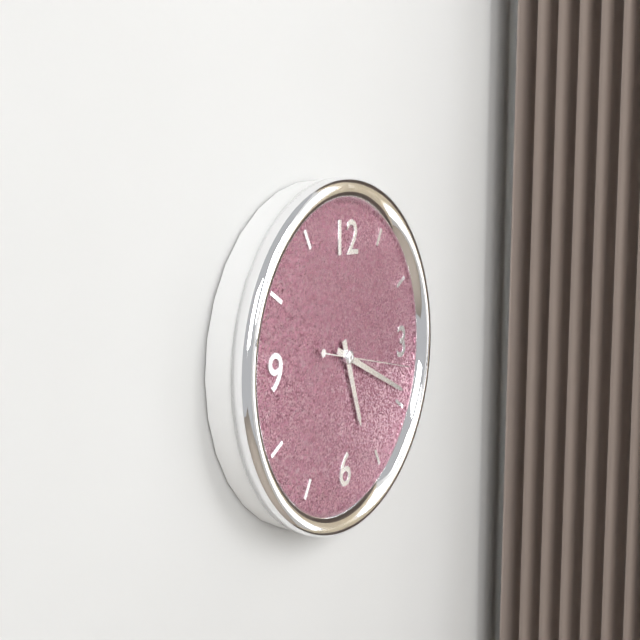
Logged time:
h=5 m=19 s=17
